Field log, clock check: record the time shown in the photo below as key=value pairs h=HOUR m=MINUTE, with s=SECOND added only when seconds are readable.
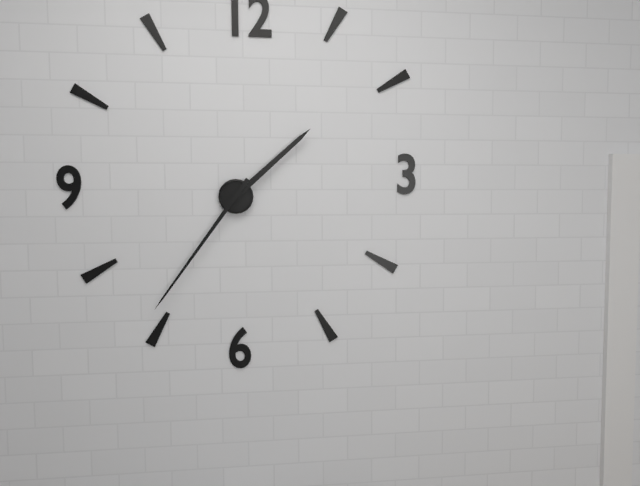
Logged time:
h=1 m=36
